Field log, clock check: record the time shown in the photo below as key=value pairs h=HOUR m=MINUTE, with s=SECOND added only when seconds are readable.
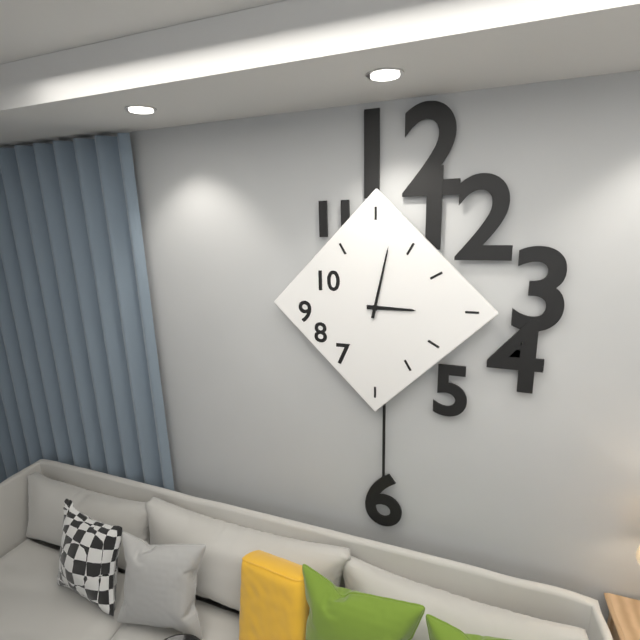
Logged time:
h=3 m=2
